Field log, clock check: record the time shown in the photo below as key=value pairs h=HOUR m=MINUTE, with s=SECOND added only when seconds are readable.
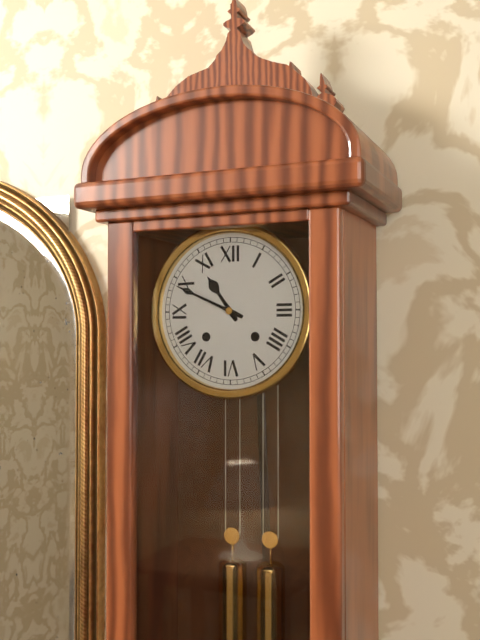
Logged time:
h=10 m=49
